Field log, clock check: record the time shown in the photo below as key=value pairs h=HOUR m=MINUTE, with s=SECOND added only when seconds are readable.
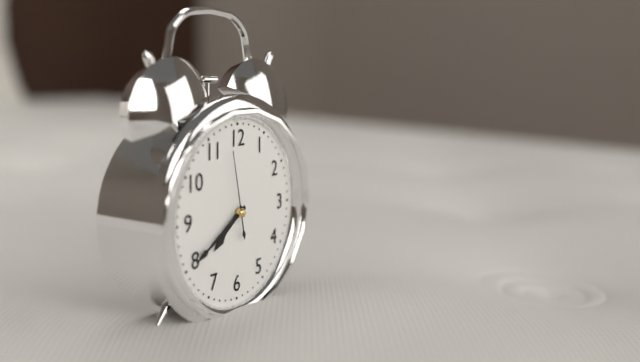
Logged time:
h=7 m=40 s=58
